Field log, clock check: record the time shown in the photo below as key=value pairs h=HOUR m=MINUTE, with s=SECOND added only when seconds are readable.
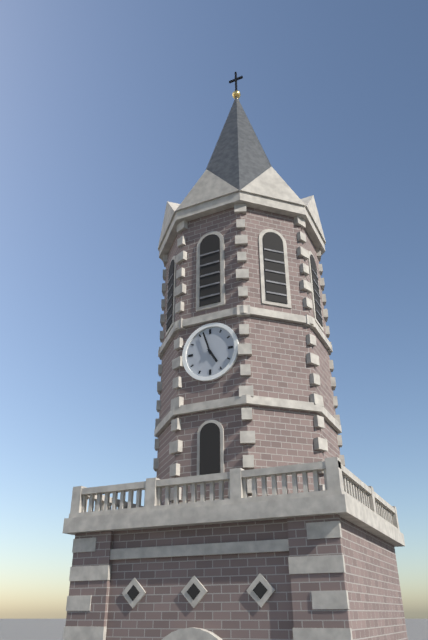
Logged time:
h=4 m=57
